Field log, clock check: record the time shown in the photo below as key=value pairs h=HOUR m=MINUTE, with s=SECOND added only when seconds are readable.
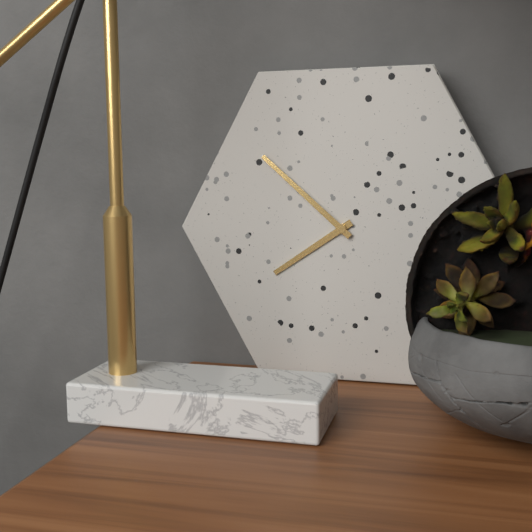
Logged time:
h=7 m=52
